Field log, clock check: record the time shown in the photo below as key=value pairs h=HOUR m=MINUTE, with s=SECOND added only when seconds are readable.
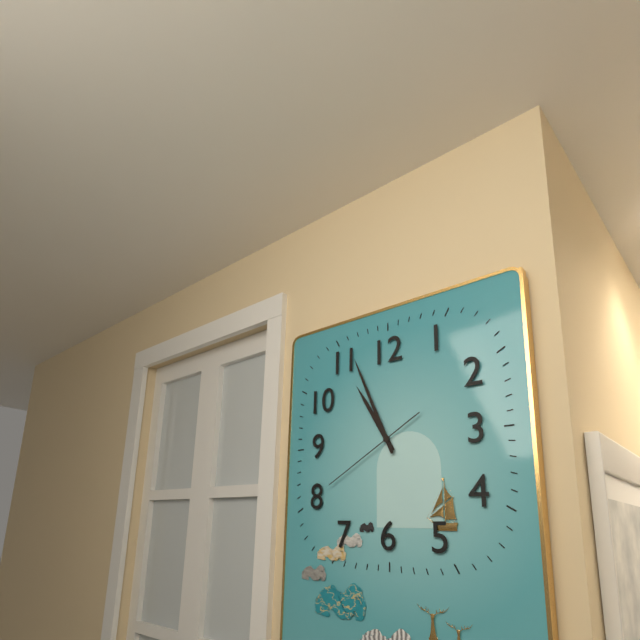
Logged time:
h=10 m=56 s=40
